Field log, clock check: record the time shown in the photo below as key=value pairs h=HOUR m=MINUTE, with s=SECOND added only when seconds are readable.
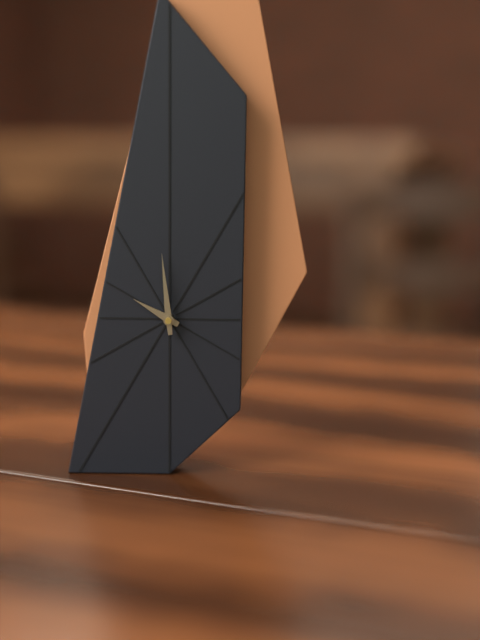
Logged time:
h=9 m=59
